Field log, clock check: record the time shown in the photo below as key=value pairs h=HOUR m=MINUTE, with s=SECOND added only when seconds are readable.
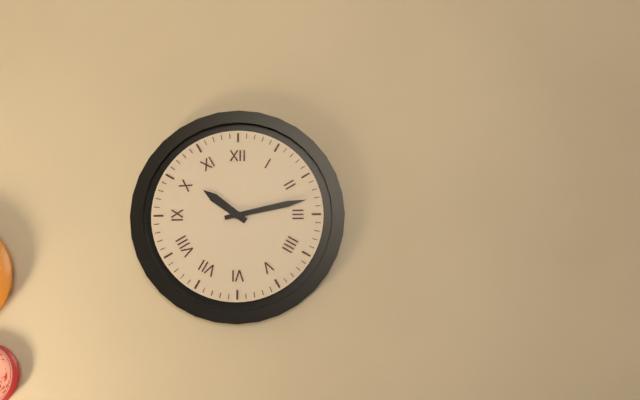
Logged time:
h=10 m=13
